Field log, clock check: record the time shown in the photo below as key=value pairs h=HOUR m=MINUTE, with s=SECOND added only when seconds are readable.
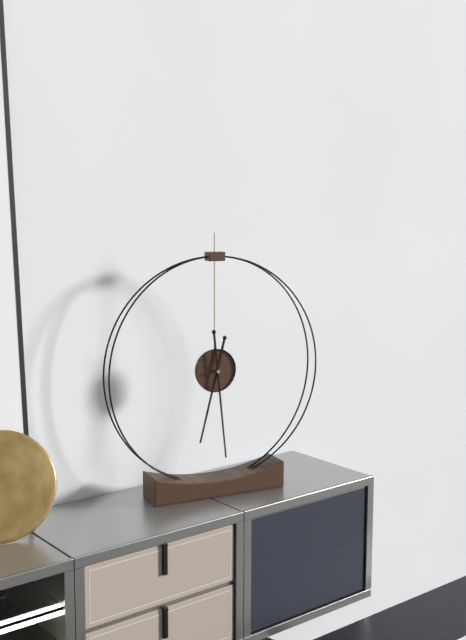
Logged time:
h=6 m=29
